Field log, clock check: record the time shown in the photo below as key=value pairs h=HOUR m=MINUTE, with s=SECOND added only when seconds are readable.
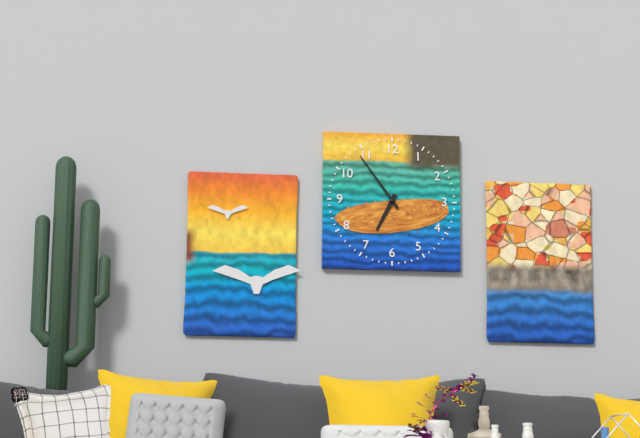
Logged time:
h=6 m=54
